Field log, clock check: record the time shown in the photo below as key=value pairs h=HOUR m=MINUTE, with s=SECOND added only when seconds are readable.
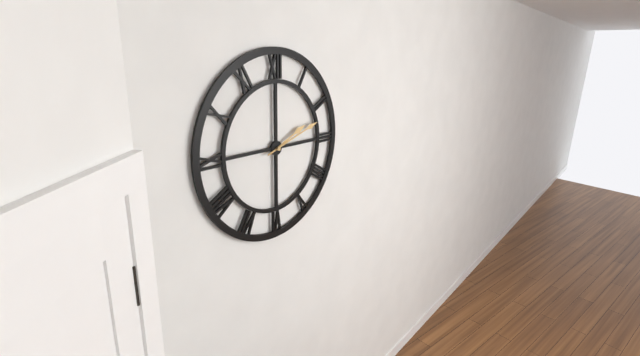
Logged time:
h=2 m=12
